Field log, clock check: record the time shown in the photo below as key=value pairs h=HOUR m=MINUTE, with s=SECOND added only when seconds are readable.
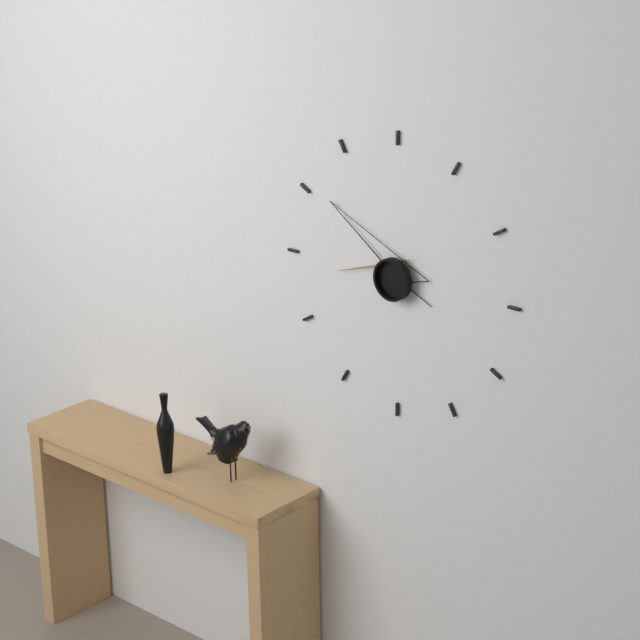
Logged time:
h=3 m=51 s=44
